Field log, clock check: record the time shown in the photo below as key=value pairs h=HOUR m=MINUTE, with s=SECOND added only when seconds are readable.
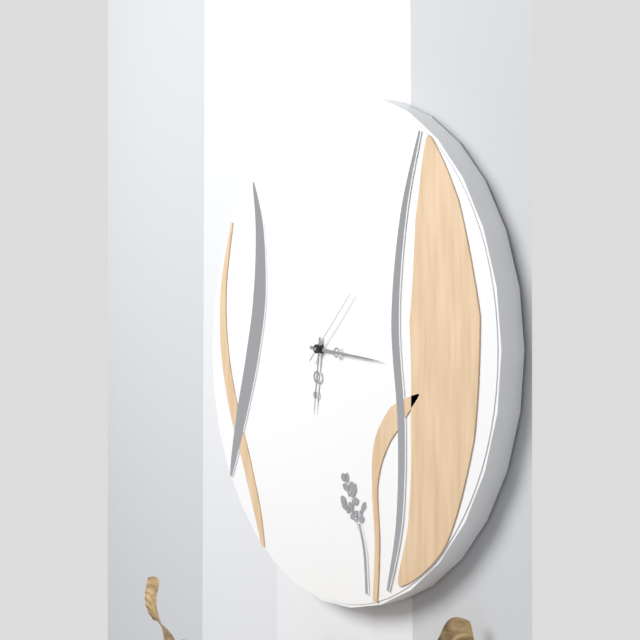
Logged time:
h=6 m=16 s=8
